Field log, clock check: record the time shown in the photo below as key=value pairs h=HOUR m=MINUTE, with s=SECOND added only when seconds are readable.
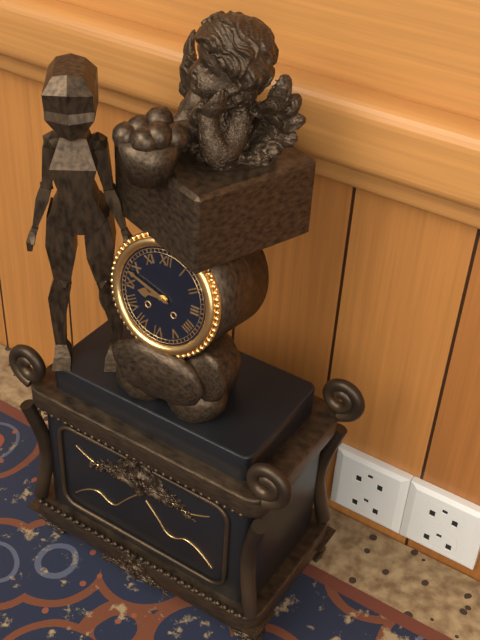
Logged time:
h=8 m=48
